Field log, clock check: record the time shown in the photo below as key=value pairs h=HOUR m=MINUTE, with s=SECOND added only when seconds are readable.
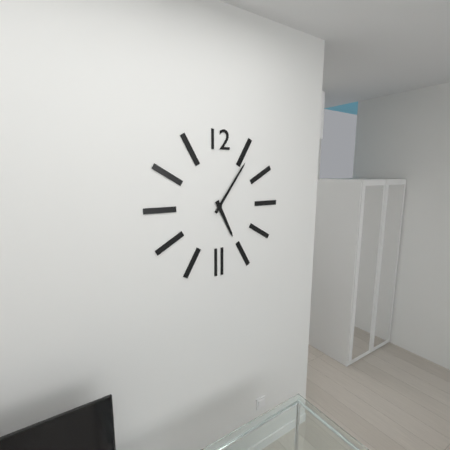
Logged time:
h=5 m=6
